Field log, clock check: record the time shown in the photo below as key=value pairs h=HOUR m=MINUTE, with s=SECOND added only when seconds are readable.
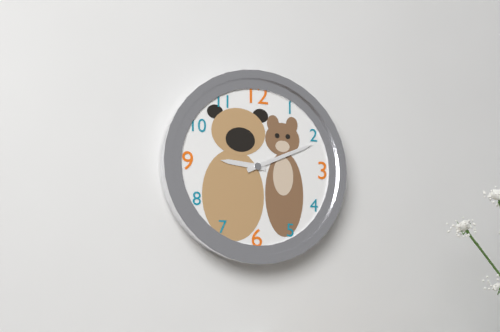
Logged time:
h=9 m=11
